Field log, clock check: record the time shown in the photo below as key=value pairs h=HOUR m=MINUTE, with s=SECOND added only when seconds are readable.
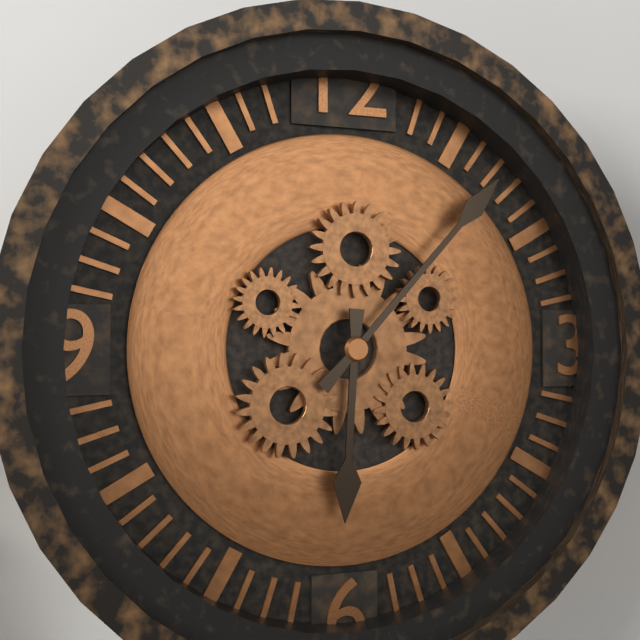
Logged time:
h=6 m=7
